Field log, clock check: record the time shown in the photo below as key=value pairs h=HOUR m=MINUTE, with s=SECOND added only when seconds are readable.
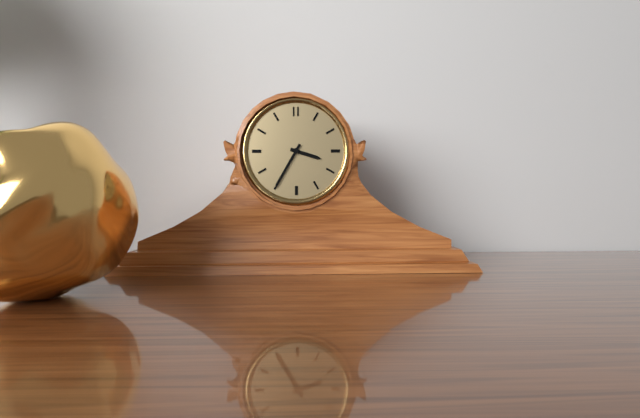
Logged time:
h=3 m=35
